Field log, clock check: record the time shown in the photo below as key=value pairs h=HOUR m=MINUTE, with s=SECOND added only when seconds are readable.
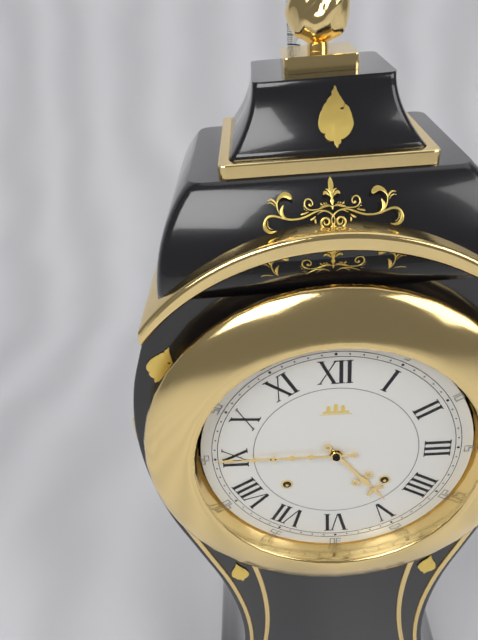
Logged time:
h=4 m=45
